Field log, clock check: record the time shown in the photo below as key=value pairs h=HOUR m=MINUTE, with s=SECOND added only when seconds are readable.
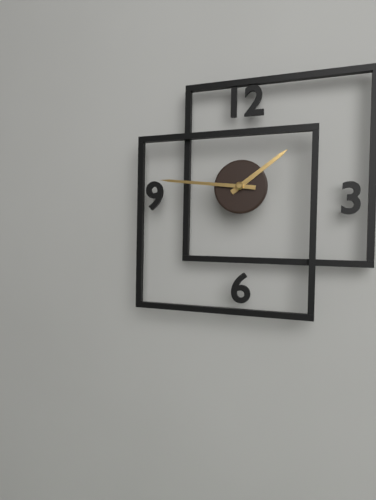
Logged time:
h=1 m=46
